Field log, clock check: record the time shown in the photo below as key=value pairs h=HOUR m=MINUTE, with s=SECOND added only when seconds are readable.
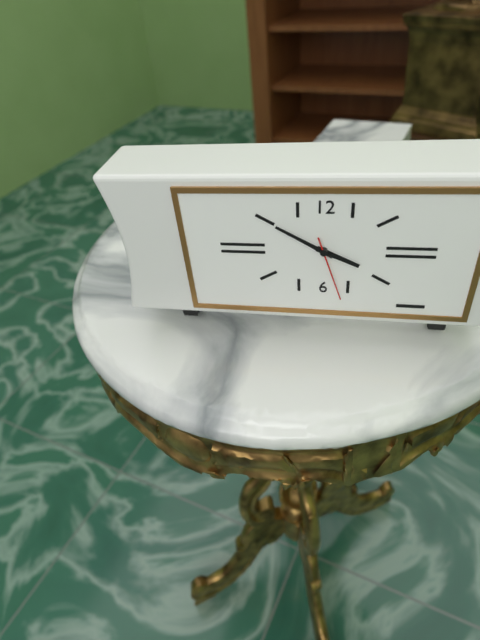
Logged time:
h=3 m=50 s=27
